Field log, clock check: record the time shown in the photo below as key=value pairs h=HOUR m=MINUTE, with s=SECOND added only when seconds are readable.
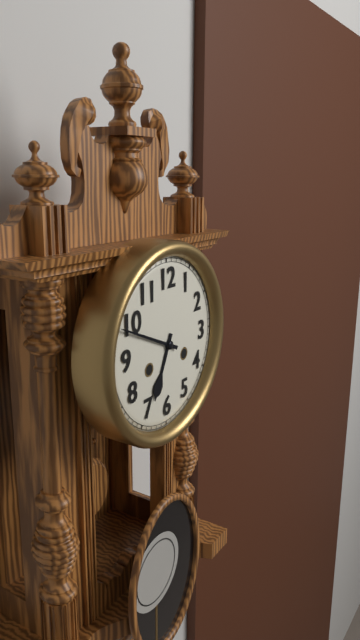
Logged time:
h=6 m=49
